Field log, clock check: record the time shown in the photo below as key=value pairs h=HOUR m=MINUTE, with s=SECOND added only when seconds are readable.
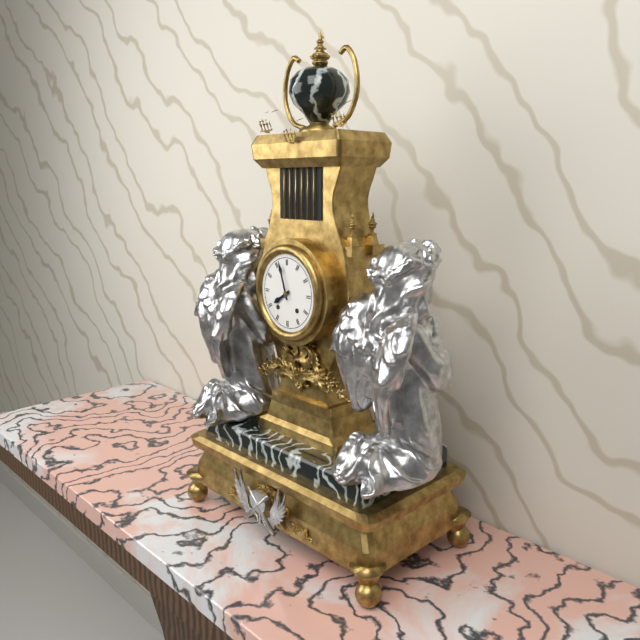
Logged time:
h=7 m=57
